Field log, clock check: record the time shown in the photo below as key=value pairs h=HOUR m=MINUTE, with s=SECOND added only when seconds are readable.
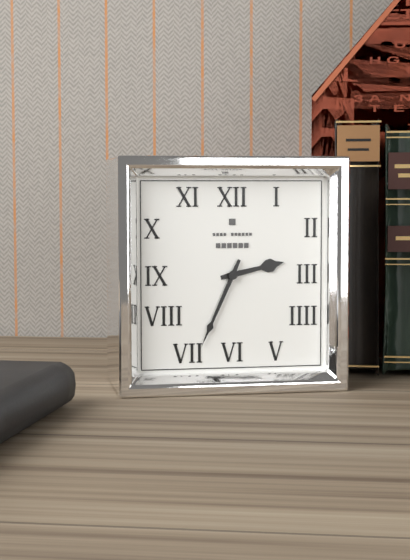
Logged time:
h=2 m=34
